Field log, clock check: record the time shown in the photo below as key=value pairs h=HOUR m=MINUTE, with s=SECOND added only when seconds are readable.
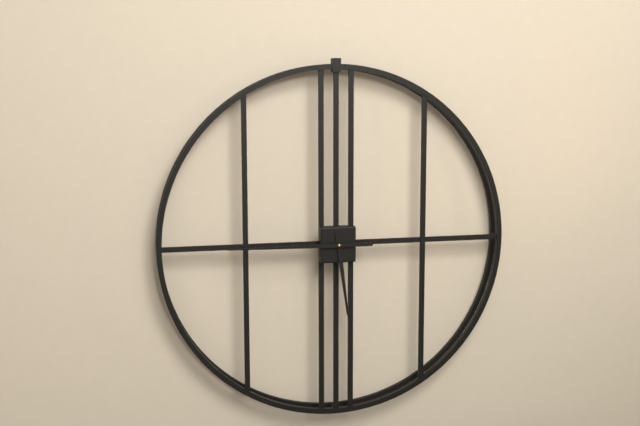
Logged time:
h=5 m=45
